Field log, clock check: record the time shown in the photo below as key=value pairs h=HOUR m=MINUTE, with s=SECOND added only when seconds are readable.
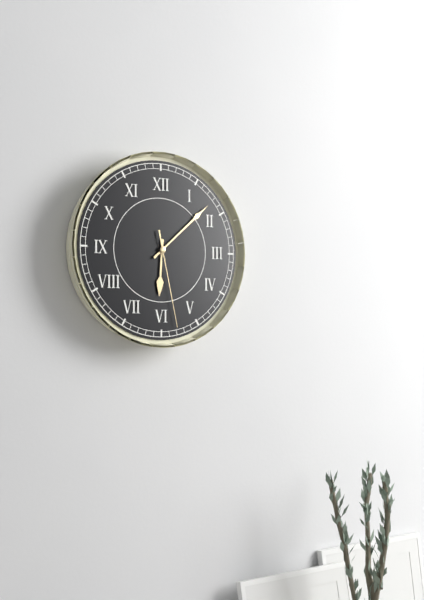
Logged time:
h=6 m=8 s=28
